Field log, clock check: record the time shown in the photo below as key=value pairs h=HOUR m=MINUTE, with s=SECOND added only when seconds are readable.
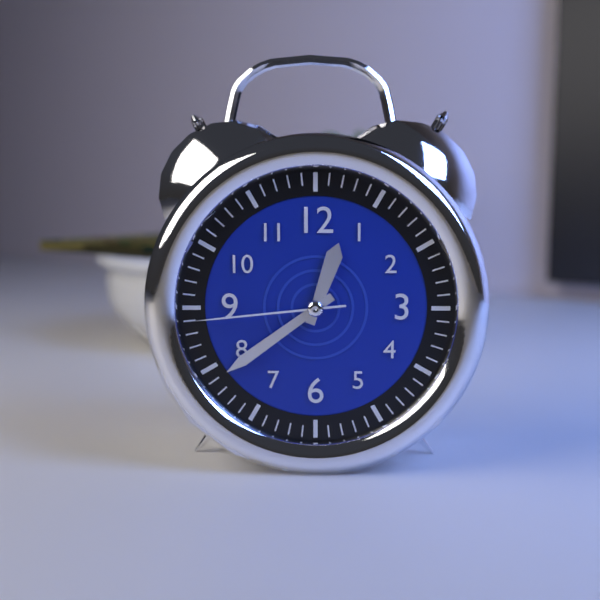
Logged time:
h=12 m=39 s=44
